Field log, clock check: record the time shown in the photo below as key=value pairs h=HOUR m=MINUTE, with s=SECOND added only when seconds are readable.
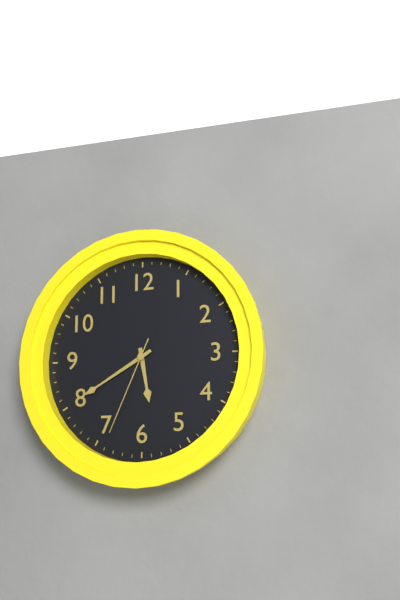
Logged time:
h=5 m=40 s=34
